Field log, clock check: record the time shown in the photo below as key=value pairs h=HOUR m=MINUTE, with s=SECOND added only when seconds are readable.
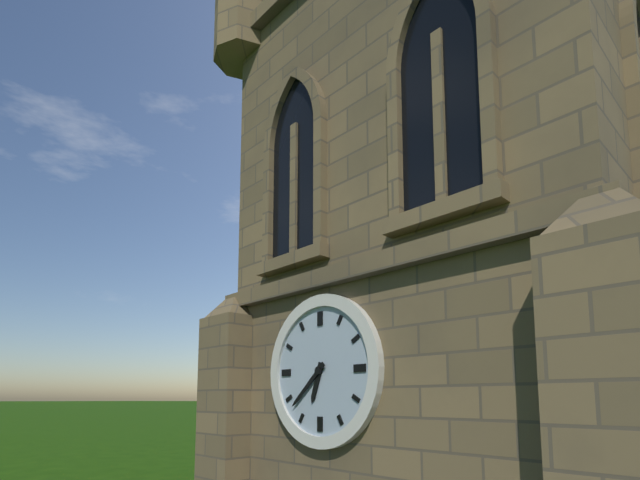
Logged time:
h=6 m=38
